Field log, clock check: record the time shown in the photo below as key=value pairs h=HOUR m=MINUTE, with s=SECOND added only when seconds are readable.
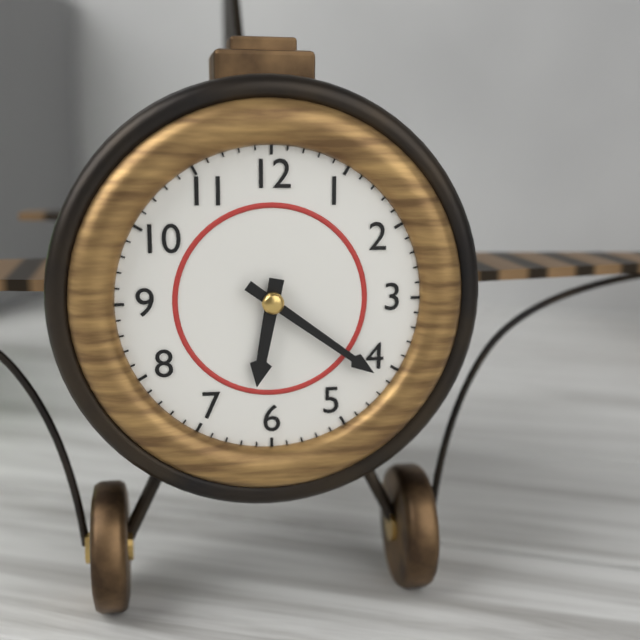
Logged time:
h=6 m=21
